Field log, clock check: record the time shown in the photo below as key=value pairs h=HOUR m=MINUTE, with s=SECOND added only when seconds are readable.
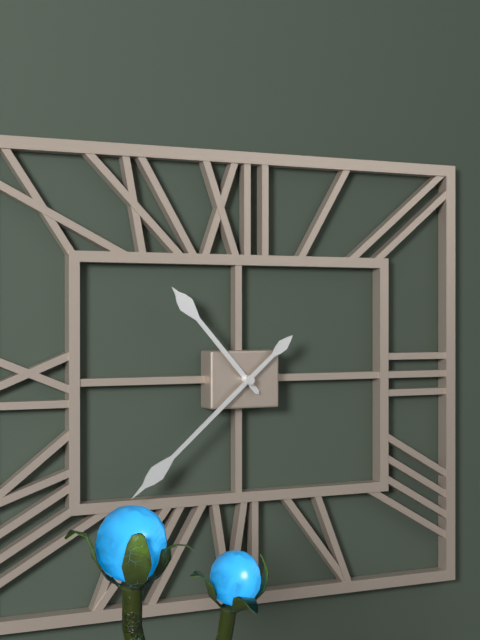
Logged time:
h=10 m=38
